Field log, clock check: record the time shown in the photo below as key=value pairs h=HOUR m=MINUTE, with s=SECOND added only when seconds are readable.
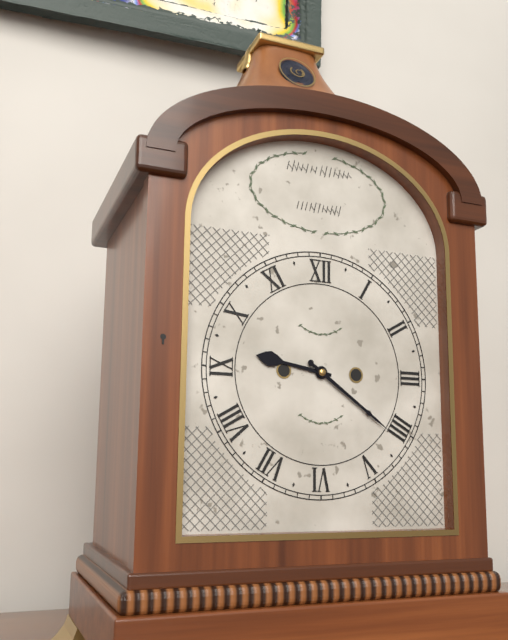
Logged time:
h=9 m=21
